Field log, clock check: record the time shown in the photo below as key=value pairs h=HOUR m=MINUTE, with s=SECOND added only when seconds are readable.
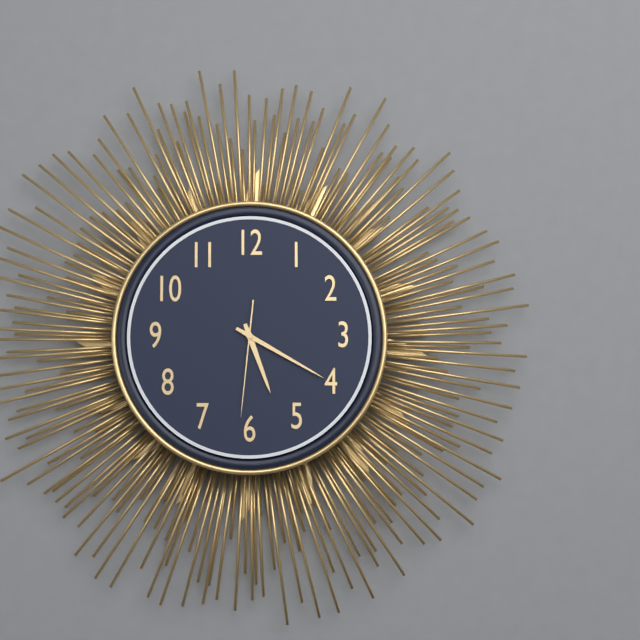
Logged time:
h=5 m=20 s=31
